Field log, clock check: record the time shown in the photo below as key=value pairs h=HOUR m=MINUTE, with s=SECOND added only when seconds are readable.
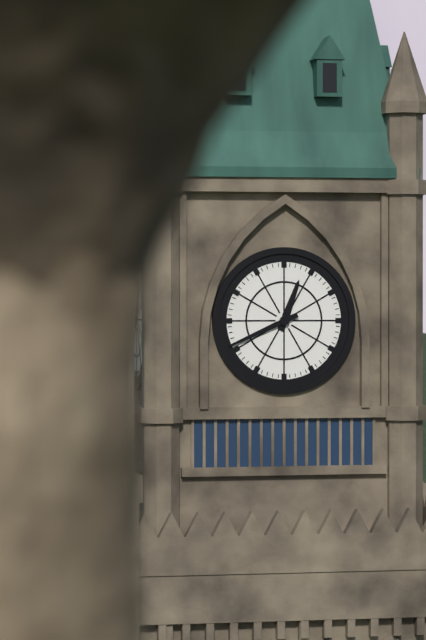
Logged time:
h=12 m=41
